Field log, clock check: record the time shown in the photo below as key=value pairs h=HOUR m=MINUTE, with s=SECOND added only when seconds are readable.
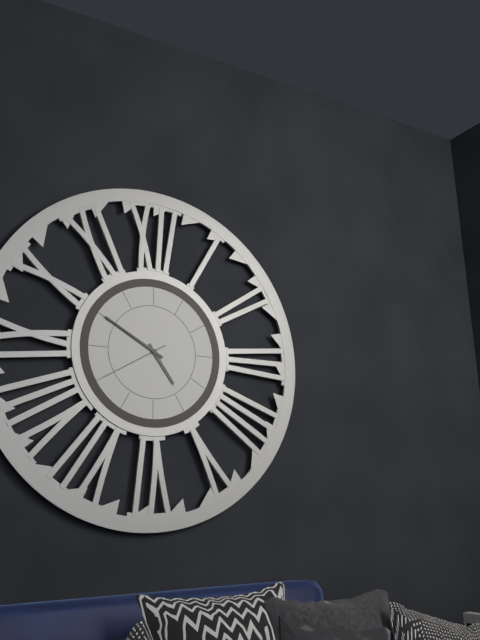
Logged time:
h=4 m=50 s=40
